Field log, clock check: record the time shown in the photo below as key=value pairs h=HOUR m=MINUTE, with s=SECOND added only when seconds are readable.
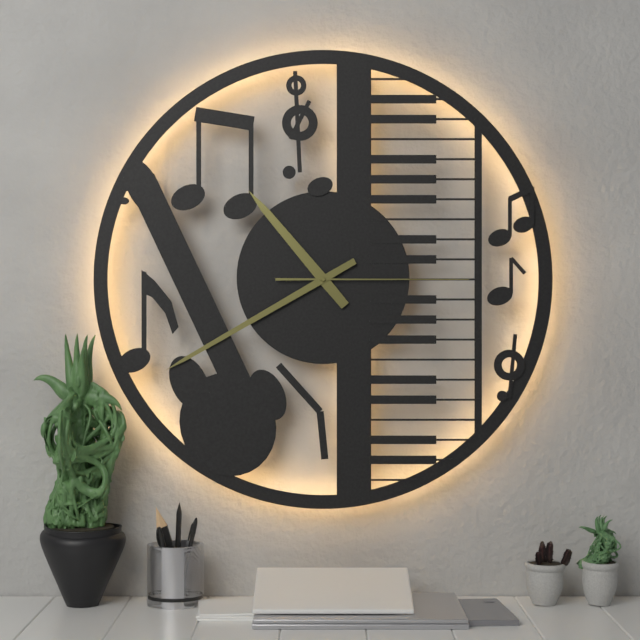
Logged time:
h=10 m=40 s=15
